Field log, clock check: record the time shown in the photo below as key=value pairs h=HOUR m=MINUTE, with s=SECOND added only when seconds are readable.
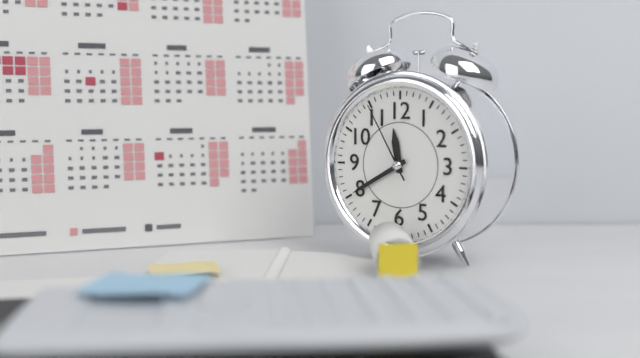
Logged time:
h=11 m=40 s=55
